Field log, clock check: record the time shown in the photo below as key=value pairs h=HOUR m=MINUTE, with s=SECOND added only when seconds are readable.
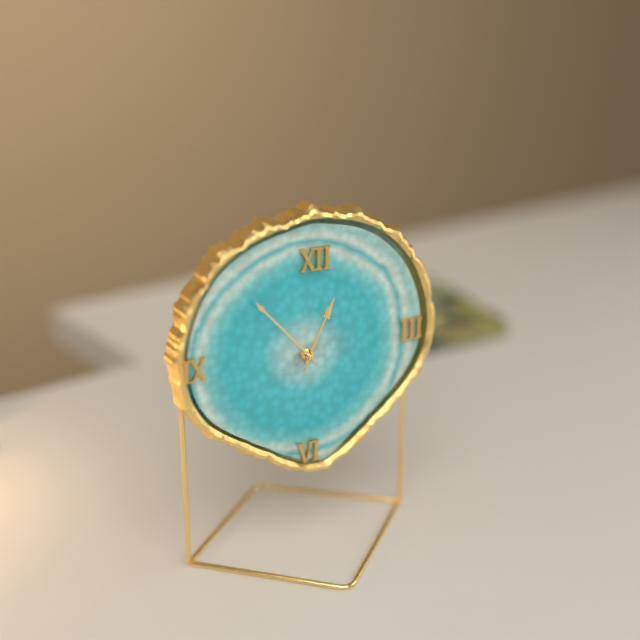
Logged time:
h=12 m=53 s=4
